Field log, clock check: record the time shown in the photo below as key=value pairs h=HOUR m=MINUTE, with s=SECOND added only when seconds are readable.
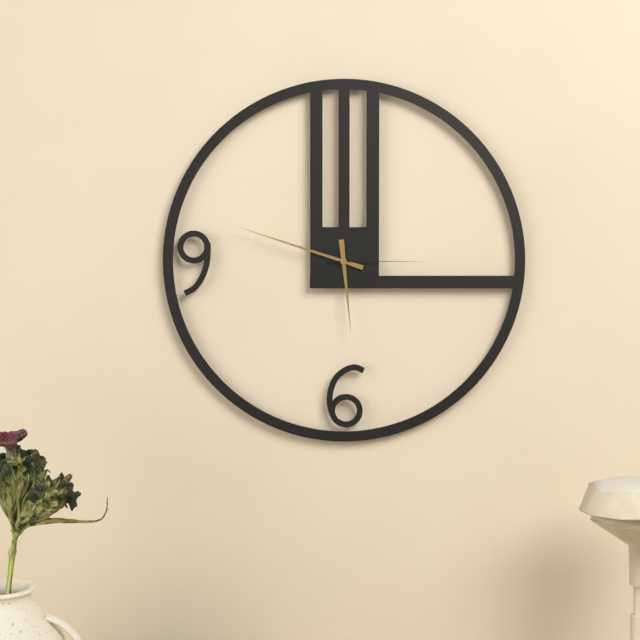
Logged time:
h=5 m=48 s=15
